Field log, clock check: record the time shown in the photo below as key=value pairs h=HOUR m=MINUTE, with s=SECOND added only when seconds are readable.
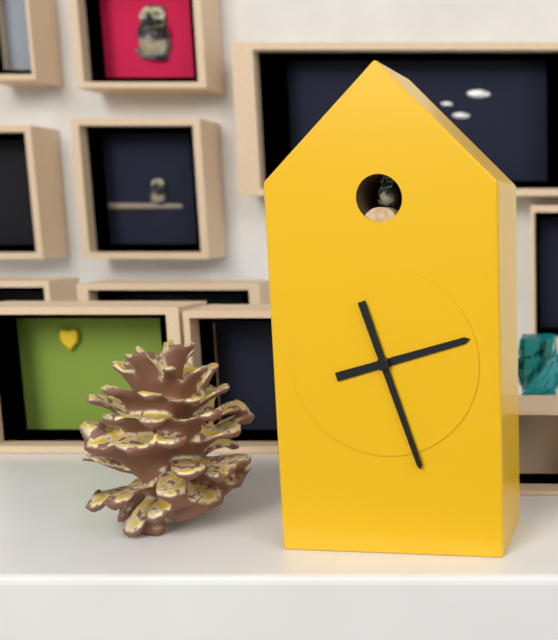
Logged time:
h=2 m=27
